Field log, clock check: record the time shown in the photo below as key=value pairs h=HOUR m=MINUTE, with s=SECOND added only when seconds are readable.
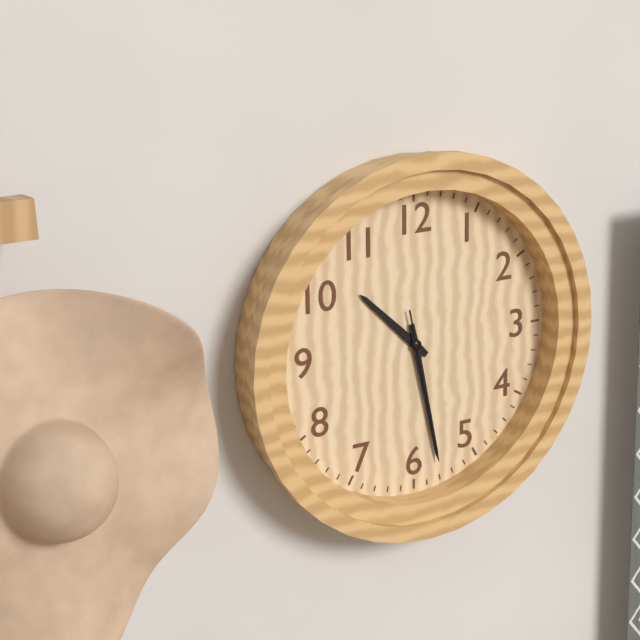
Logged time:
h=10 m=28 s=28
